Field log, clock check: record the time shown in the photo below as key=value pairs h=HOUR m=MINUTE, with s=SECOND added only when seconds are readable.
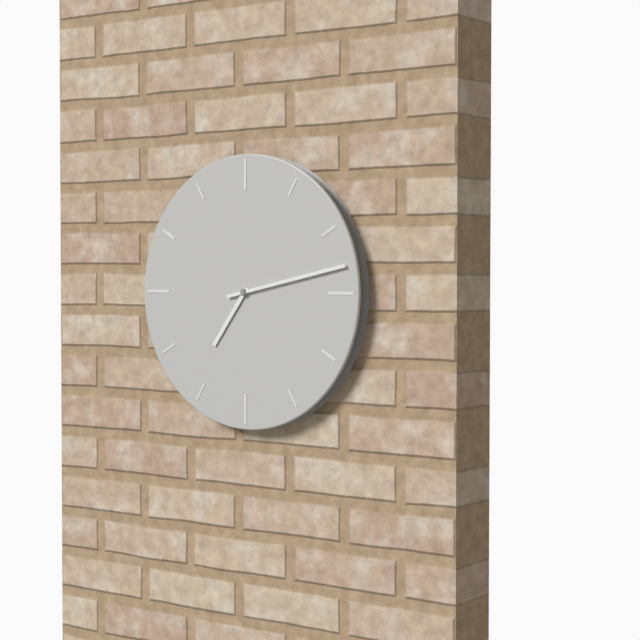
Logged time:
h=7 m=13
